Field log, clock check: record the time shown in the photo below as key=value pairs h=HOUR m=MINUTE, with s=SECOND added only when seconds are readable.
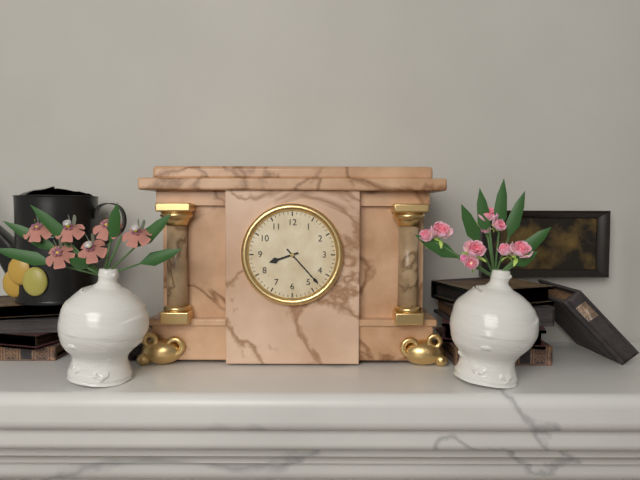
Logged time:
h=8 m=23
